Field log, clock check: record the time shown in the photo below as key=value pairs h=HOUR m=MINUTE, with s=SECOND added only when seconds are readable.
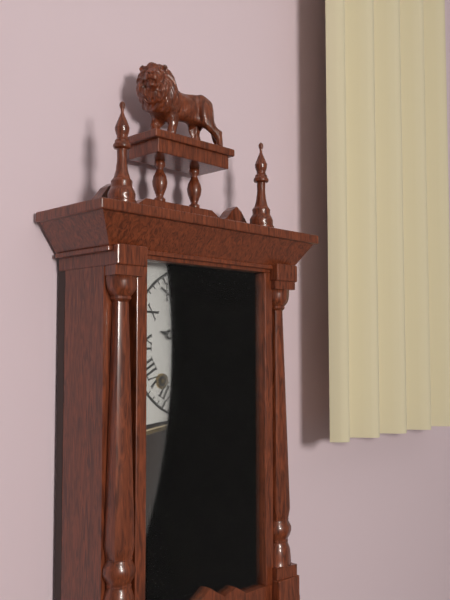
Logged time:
h=9 m=29
